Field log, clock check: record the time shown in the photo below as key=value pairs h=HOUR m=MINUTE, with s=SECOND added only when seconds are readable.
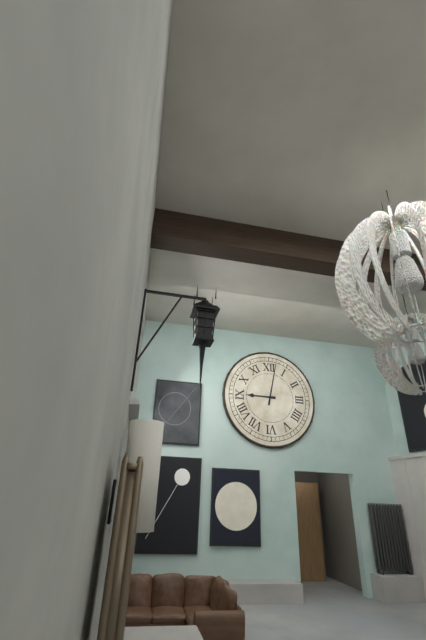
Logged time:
h=9 m=2
